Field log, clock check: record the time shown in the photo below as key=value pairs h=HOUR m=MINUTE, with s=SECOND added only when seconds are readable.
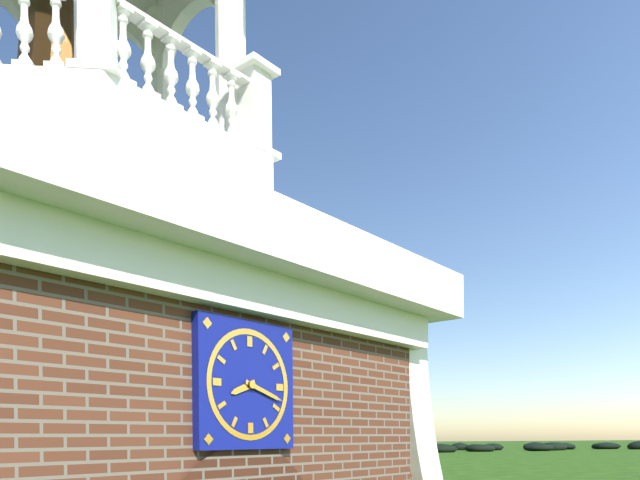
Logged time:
h=8 m=18
